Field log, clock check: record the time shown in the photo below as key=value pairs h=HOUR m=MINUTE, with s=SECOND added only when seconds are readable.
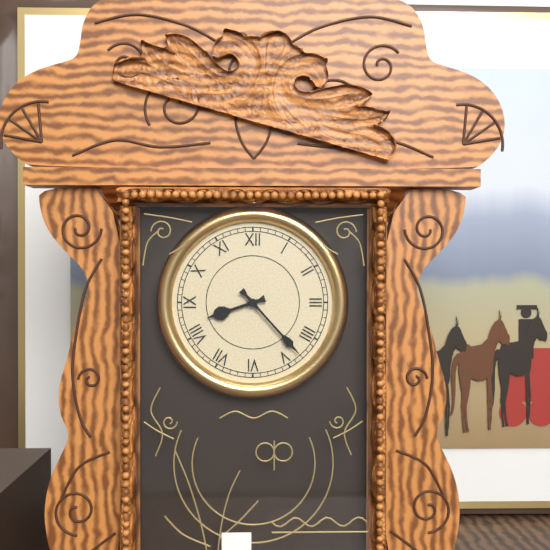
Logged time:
h=8 m=23
